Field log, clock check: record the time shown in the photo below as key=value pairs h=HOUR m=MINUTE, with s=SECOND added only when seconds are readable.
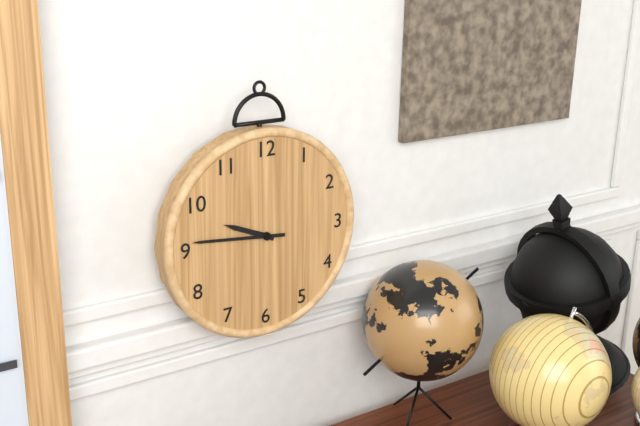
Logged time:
h=9 m=46
